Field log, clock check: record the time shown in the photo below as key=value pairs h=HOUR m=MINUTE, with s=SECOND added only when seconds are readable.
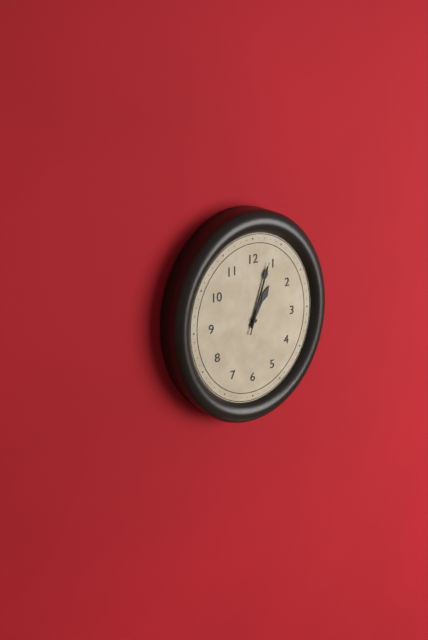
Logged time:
h=1 m=3 s=3
